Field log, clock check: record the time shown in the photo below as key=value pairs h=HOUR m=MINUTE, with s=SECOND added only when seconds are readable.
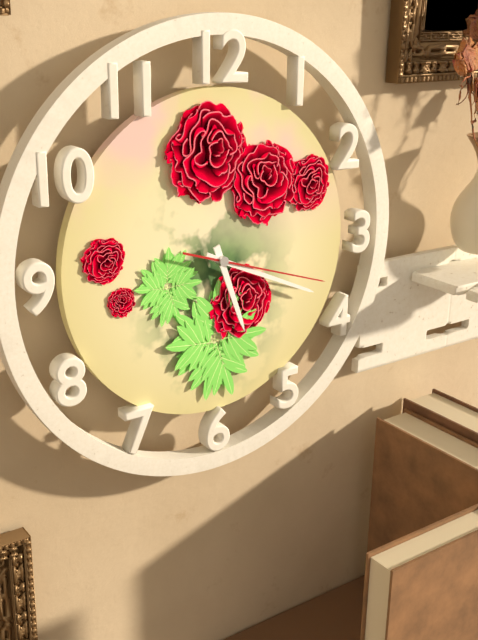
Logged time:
h=5 m=19 s=18
